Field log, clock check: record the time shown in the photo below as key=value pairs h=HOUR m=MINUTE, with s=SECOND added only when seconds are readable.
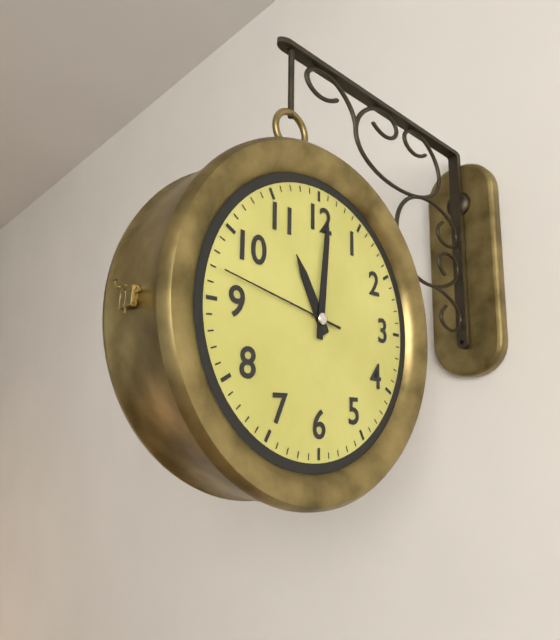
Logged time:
h=11 m=1 s=47
